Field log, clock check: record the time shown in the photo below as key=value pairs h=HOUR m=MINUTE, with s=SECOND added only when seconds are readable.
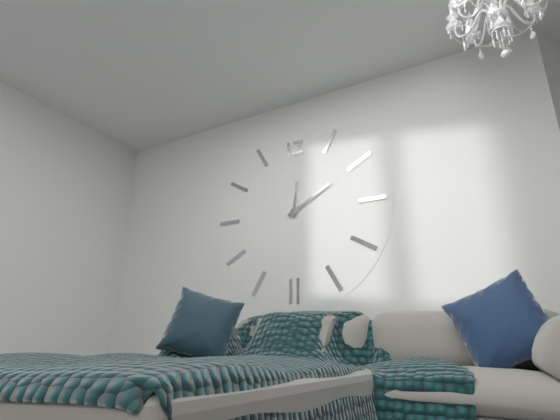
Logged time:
h=12 m=10
